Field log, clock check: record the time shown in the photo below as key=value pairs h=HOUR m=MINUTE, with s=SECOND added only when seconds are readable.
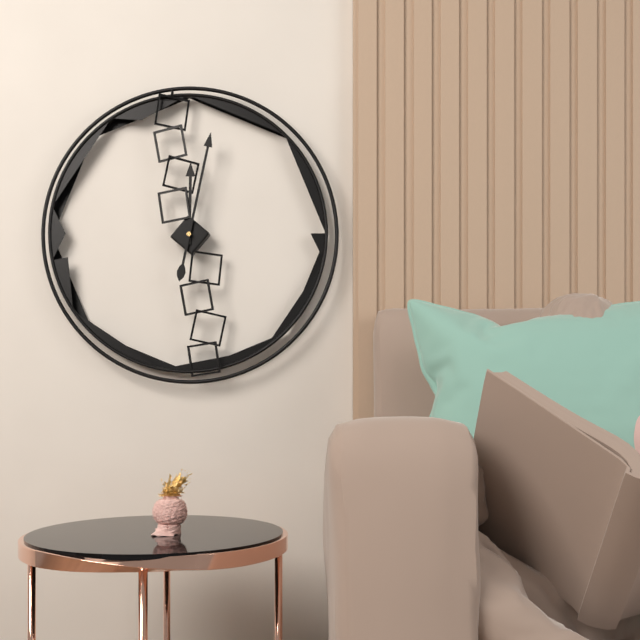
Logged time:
h=12 m=2
